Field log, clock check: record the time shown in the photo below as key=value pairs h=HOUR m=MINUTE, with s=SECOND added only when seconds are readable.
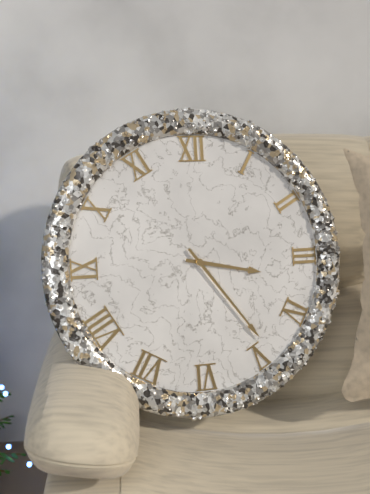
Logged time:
h=3 m=24
